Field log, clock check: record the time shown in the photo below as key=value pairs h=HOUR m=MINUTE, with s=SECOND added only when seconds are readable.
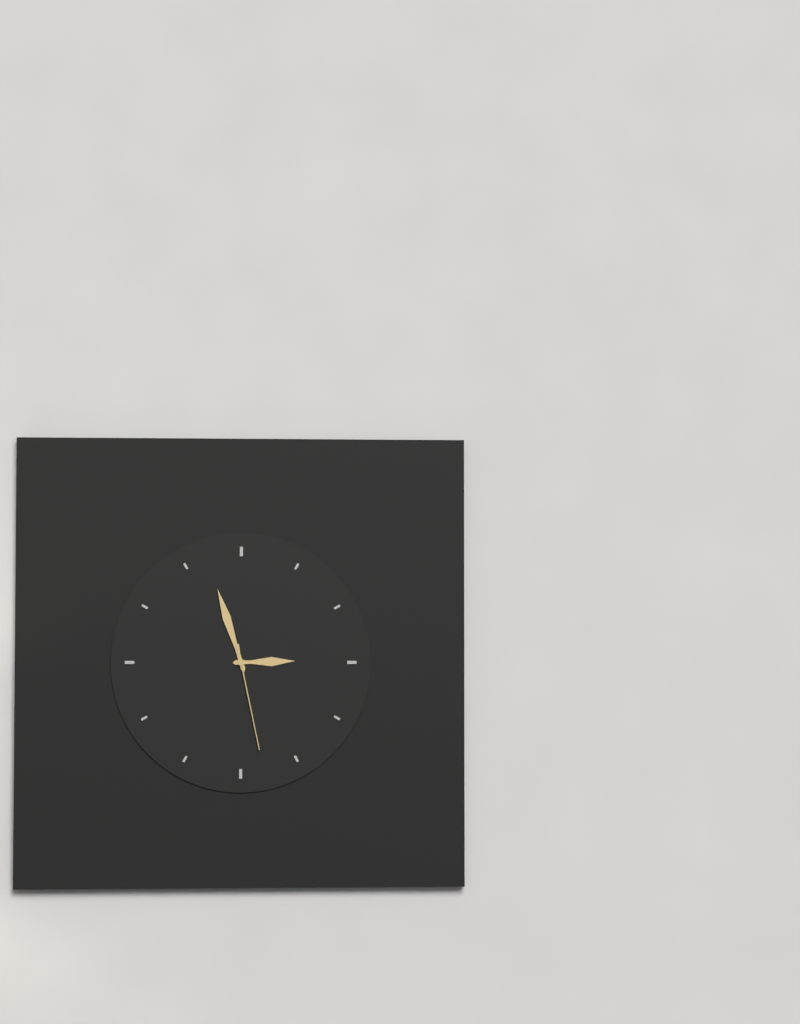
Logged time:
h=2 m=57 s=28
